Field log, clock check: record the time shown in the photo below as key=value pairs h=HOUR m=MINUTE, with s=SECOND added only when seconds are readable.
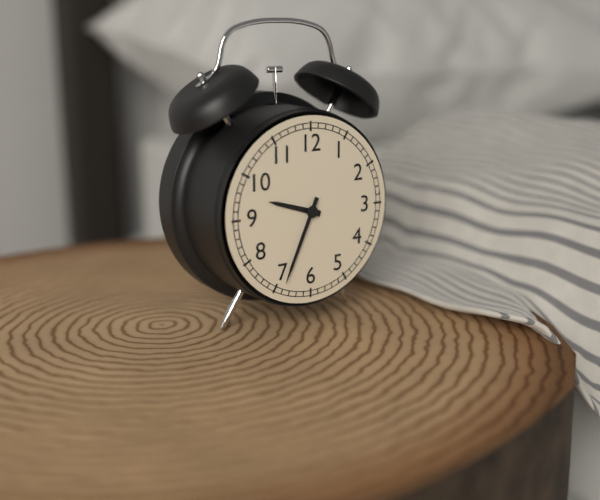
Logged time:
h=9 m=34
